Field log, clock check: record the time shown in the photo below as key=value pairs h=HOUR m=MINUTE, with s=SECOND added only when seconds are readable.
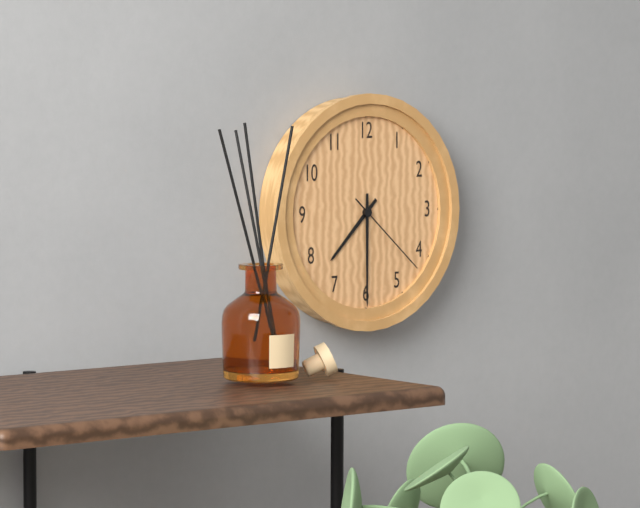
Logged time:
h=7 m=30 s=22
